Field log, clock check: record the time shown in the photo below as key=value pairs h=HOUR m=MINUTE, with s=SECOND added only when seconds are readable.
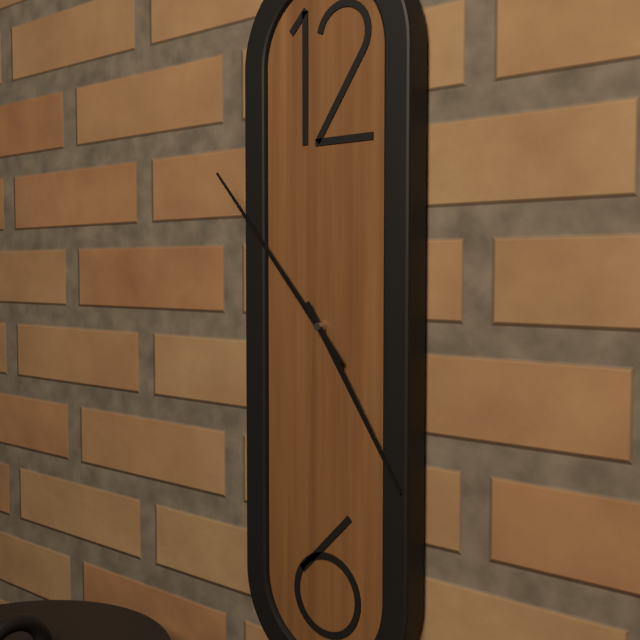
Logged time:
h=4 m=53
